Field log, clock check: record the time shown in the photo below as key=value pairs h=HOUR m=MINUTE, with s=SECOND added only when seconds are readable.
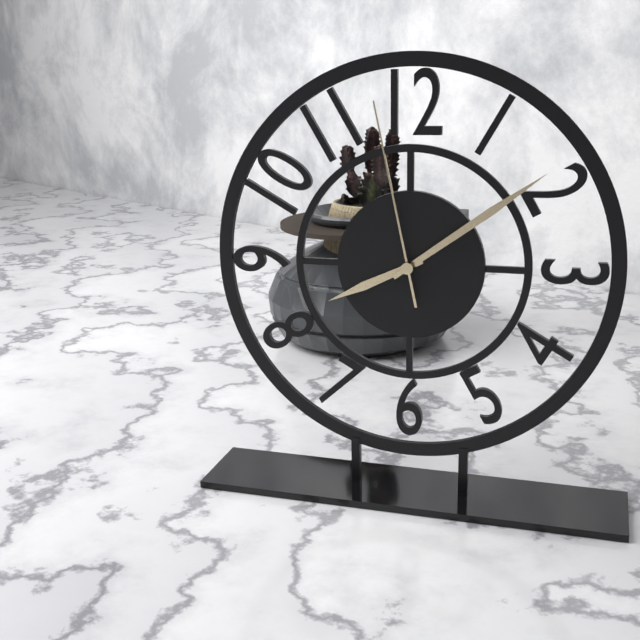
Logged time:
h=8 m=9 s=58
